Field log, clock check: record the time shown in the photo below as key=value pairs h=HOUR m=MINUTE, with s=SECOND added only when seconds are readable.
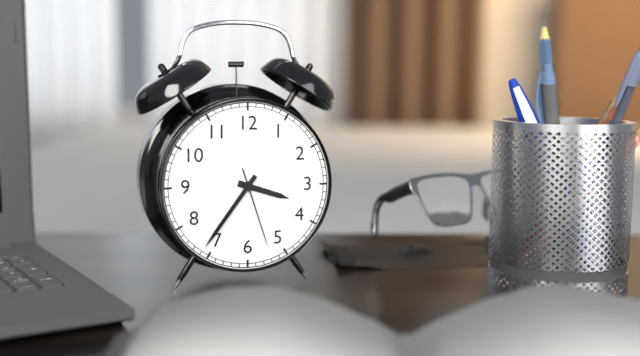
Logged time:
h=3 m=36 s=27
